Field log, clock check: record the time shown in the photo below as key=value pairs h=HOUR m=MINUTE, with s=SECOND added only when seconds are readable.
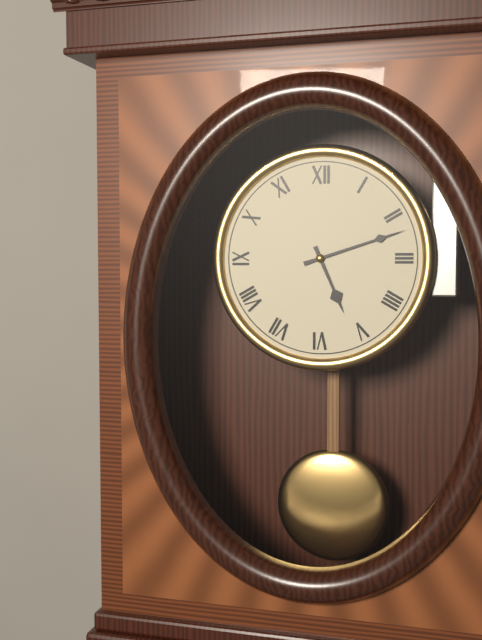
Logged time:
h=5 m=12
